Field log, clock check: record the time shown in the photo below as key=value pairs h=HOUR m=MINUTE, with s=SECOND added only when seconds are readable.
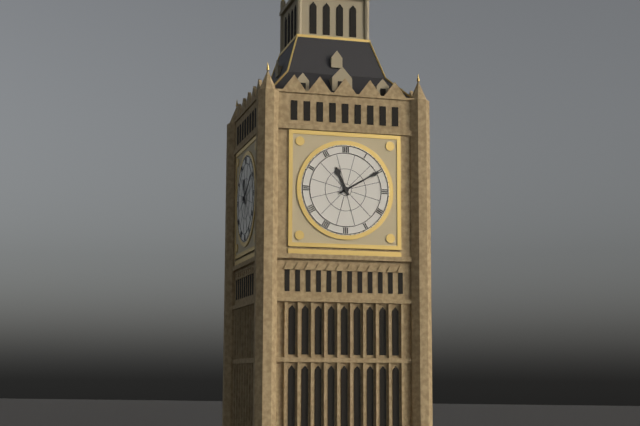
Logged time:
h=11 m=10
